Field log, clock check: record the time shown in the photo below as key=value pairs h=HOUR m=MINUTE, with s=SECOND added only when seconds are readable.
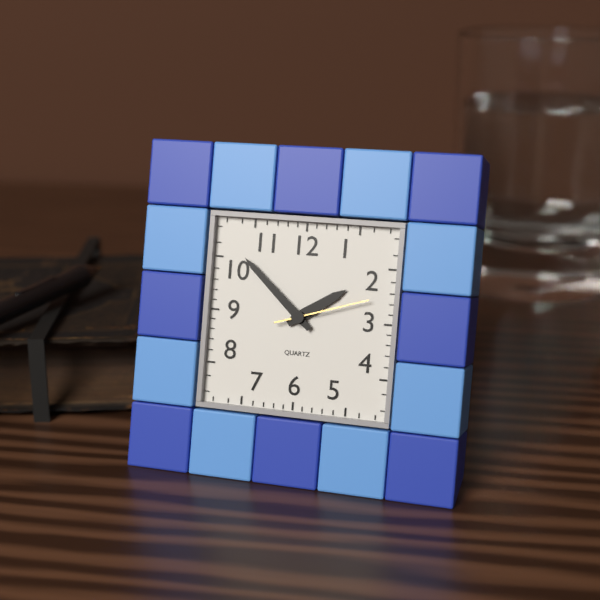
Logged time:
h=1 m=52 s=12
